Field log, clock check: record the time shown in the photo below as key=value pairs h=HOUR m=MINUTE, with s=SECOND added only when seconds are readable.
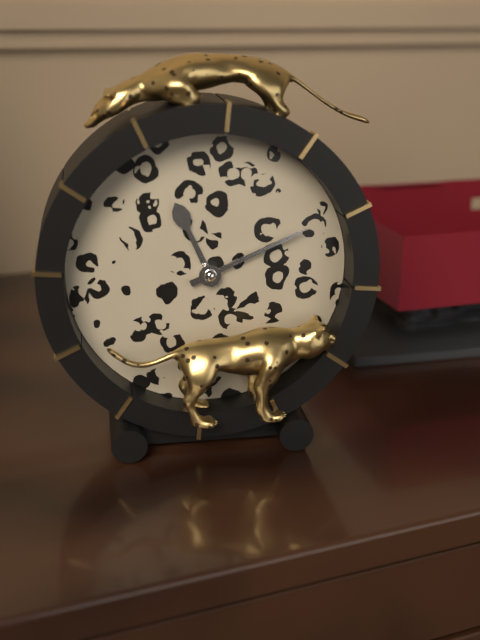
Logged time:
h=11 m=11
